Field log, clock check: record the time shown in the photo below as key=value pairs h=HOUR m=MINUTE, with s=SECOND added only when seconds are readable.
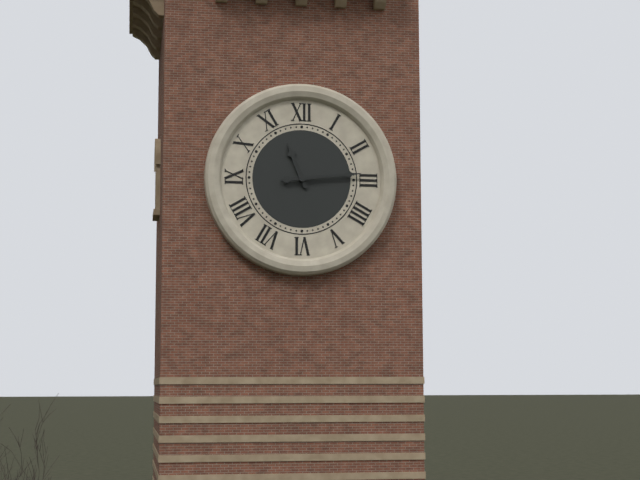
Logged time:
h=11 m=14
